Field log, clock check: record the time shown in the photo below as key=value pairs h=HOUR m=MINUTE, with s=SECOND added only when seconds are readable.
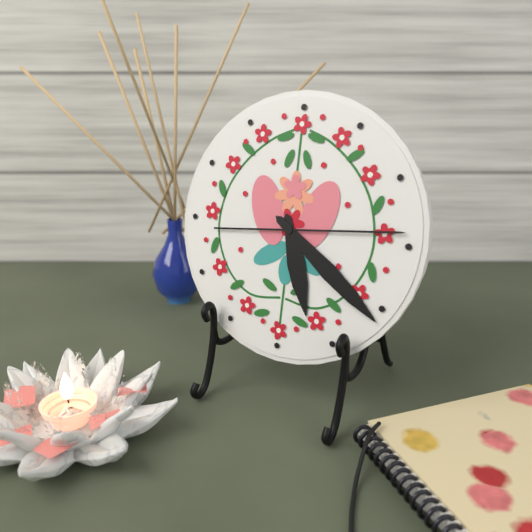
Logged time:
h=5 m=21 s=14
